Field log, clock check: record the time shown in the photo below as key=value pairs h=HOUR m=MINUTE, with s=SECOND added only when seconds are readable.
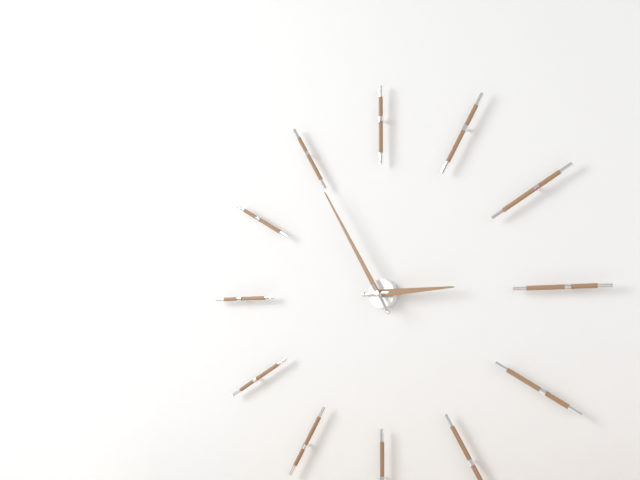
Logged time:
h=2 m=55
